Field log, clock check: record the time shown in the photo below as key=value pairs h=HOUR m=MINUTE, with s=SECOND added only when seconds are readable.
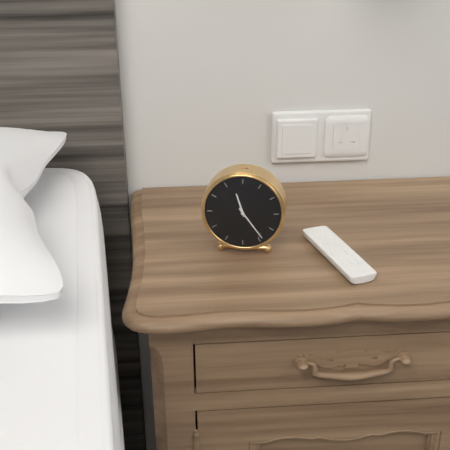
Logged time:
h=11 m=24
